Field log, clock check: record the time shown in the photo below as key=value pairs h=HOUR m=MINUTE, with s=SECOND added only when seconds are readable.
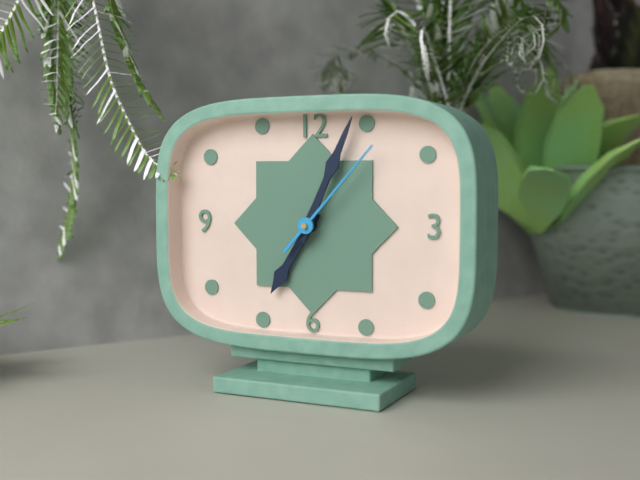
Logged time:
h=7 m=4 s=7
